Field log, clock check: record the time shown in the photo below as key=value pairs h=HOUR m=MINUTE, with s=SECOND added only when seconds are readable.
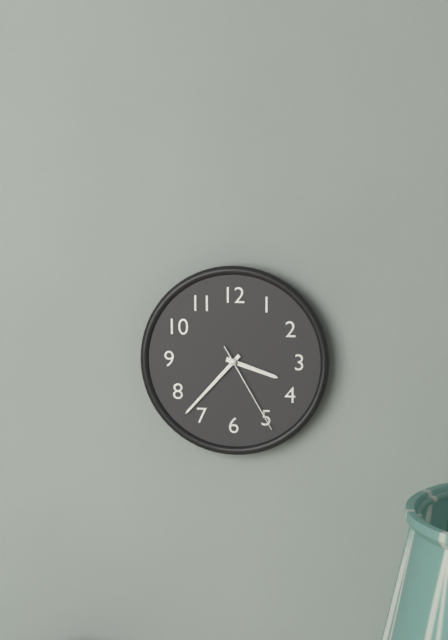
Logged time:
h=3 m=37 s=25
